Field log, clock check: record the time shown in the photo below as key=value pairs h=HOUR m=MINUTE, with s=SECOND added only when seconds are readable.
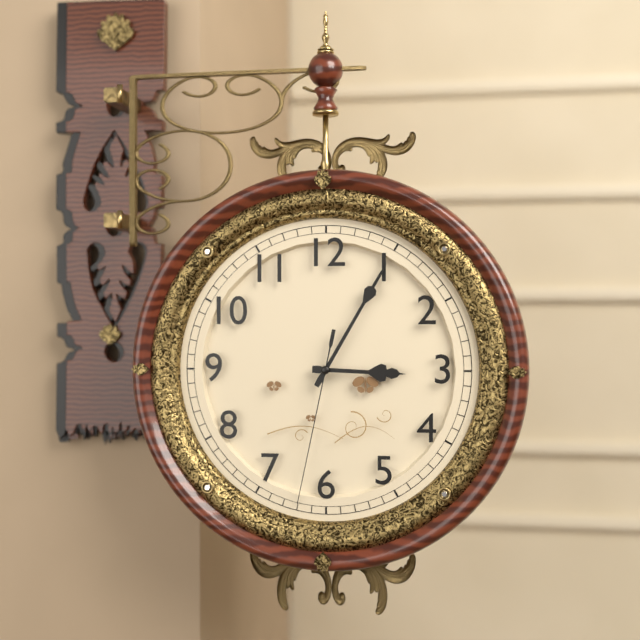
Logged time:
h=3 m=5 s=32
